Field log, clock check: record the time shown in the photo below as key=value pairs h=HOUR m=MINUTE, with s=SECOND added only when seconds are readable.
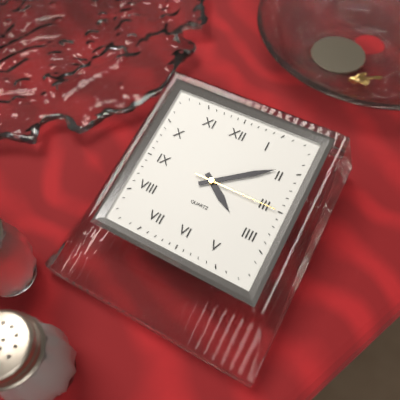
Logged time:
h=4 m=9 s=15
